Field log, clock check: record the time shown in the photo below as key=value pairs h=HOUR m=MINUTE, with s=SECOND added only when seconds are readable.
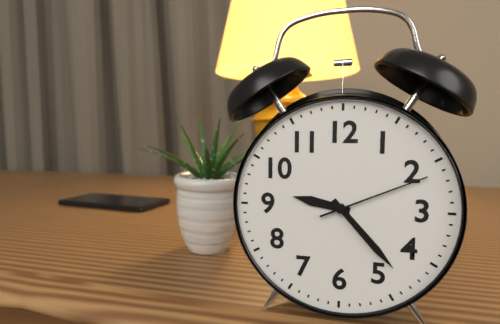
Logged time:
h=9 m=23 s=11
